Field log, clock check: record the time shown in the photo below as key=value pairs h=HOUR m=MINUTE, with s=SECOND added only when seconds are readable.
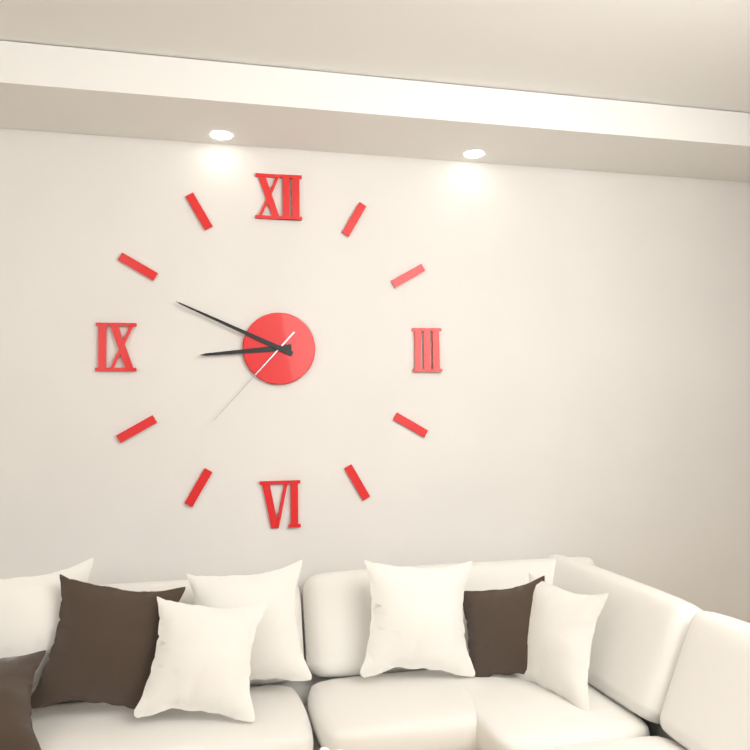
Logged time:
h=8 m=49 s=37
